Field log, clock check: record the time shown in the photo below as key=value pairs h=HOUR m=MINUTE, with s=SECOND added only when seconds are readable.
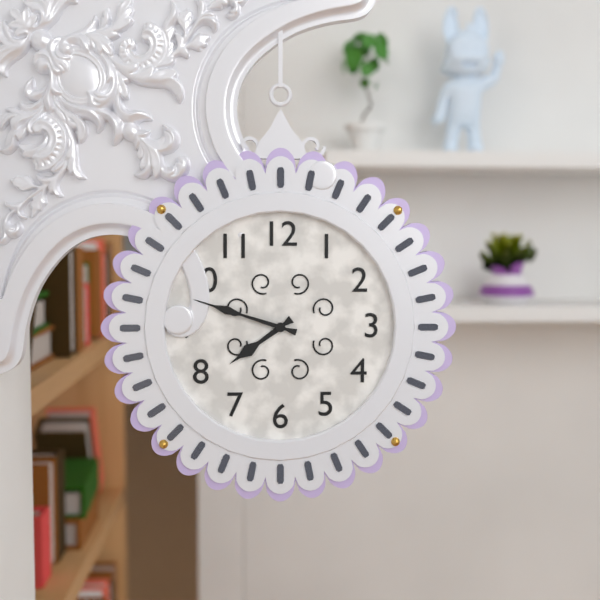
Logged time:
h=7 m=48
